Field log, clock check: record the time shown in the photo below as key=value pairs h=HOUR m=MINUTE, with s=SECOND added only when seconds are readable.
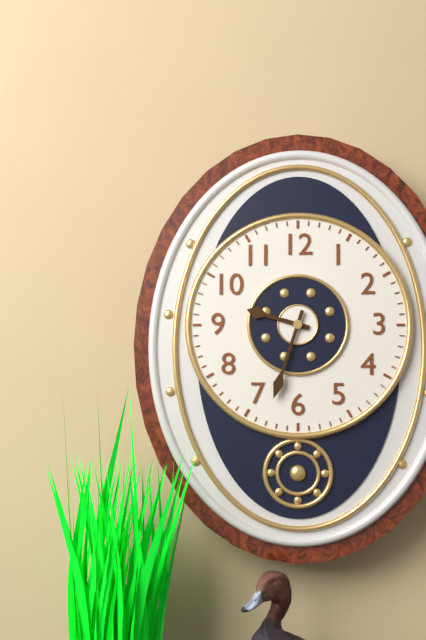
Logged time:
h=9 m=33
